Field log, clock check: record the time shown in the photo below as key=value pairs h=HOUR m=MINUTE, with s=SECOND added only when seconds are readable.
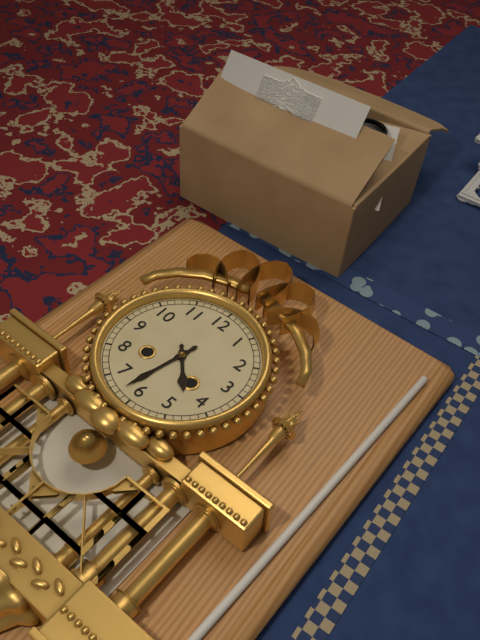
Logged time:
h=4 m=32
